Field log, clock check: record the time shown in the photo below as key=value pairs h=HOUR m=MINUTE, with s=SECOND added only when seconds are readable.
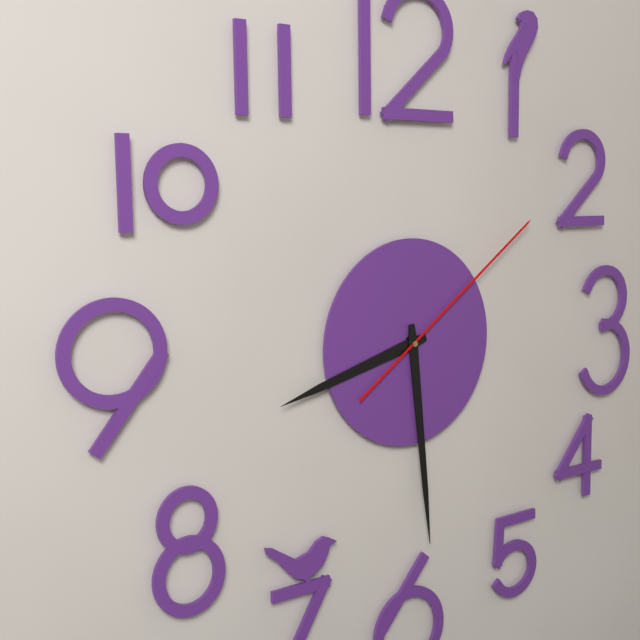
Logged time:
h=8 m=29 s=9
